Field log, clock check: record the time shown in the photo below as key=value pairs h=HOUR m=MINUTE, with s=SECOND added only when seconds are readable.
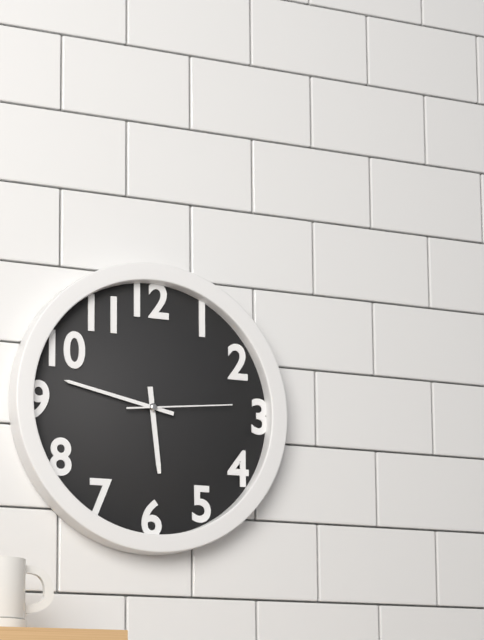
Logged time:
h=5 m=47 s=14
